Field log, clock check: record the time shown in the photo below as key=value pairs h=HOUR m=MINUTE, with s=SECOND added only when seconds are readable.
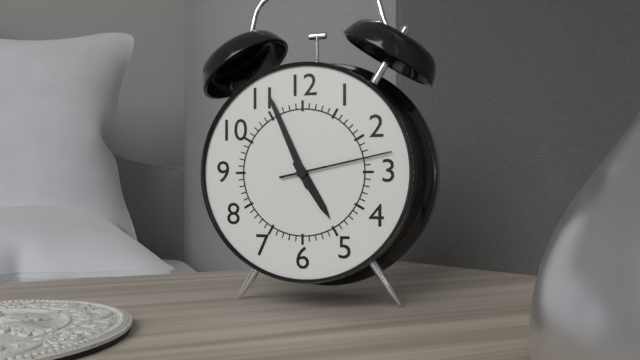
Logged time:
h=4 m=56 s=13
